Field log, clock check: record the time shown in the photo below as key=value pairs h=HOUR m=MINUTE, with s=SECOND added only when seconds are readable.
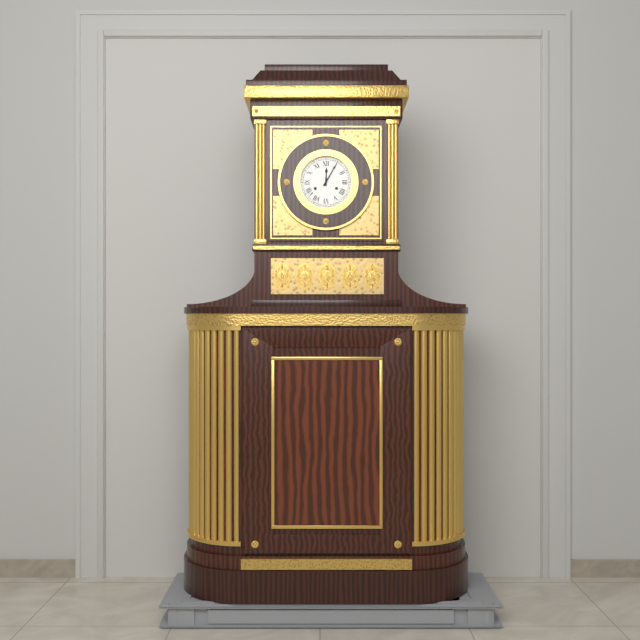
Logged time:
h=12 m=5
